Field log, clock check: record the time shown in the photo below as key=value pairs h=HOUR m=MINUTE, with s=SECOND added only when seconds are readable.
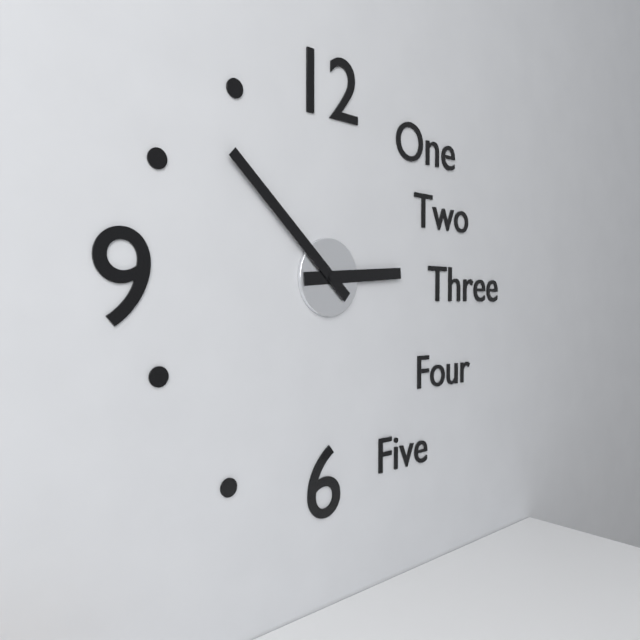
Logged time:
h=2 m=52
